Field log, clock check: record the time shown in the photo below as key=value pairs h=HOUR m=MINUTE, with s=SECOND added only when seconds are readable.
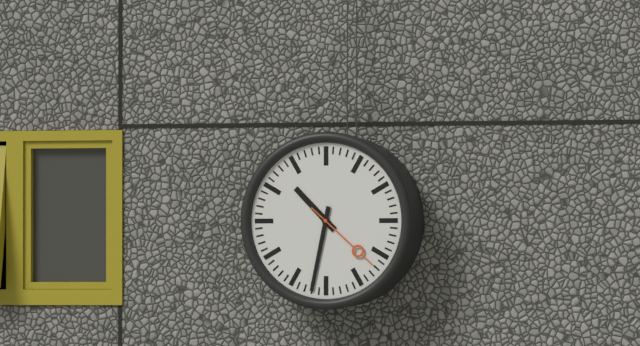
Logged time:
h=10 m=32 s=22
